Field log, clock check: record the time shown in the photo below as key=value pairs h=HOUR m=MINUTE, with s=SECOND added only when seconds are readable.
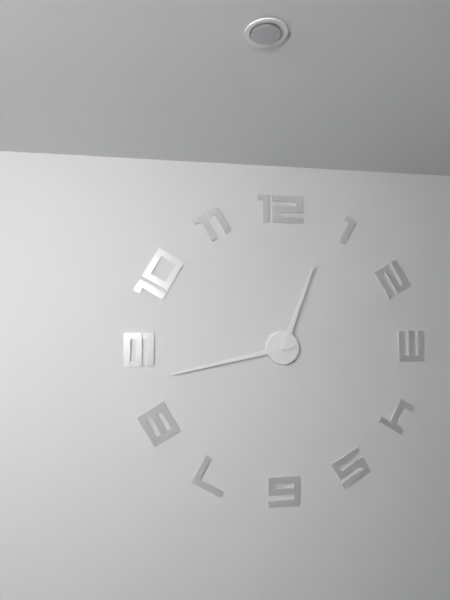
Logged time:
h=12 m=43
